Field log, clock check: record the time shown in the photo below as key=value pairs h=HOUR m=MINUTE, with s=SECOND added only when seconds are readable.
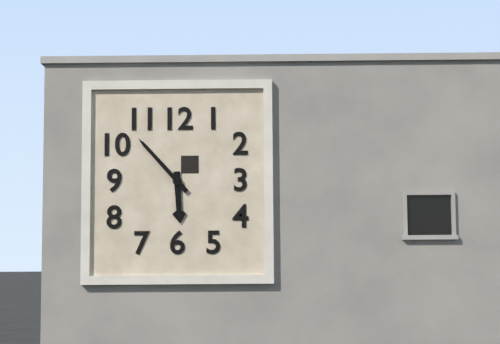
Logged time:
h=5 m=53
